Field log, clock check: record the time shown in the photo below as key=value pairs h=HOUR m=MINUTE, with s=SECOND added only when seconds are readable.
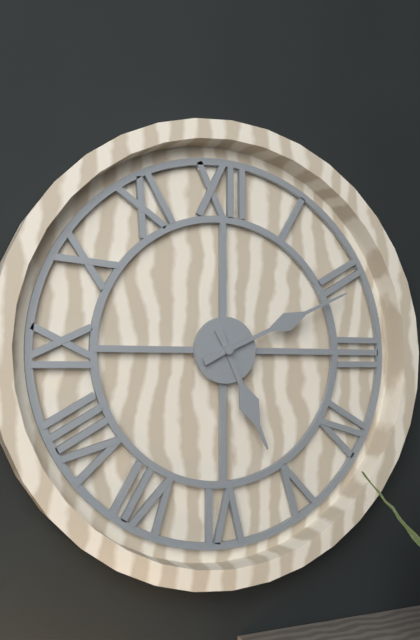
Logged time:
h=5 m=11
